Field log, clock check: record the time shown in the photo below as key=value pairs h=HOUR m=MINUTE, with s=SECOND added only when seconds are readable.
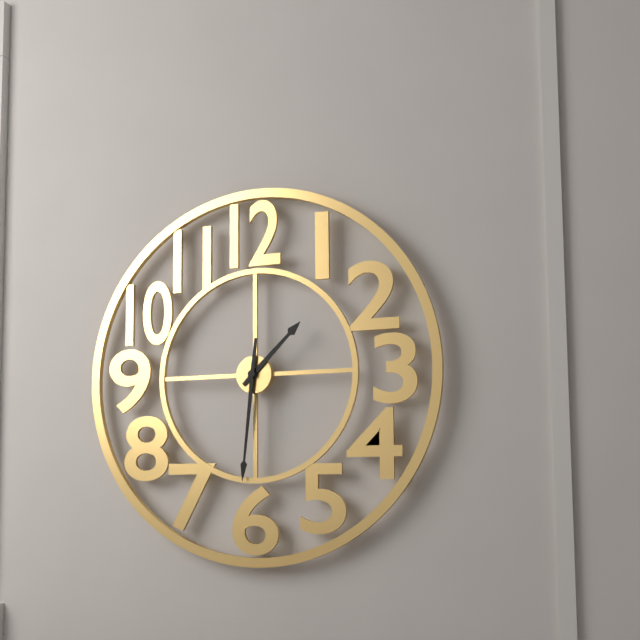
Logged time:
h=1 m=31
